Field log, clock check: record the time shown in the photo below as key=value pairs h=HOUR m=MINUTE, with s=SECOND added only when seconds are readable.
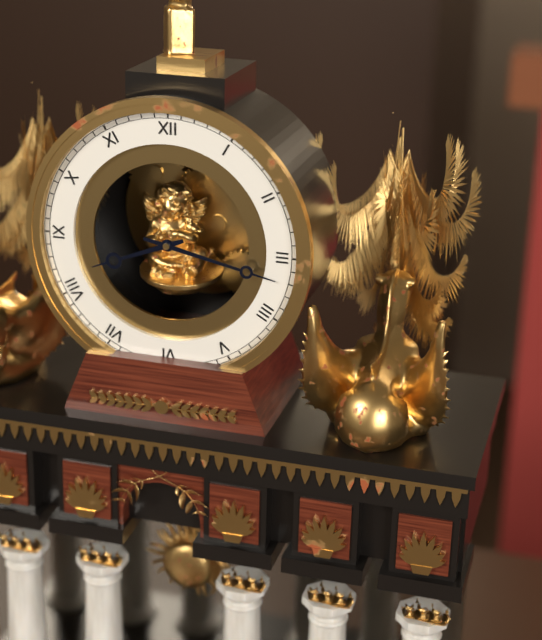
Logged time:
h=8 m=17
